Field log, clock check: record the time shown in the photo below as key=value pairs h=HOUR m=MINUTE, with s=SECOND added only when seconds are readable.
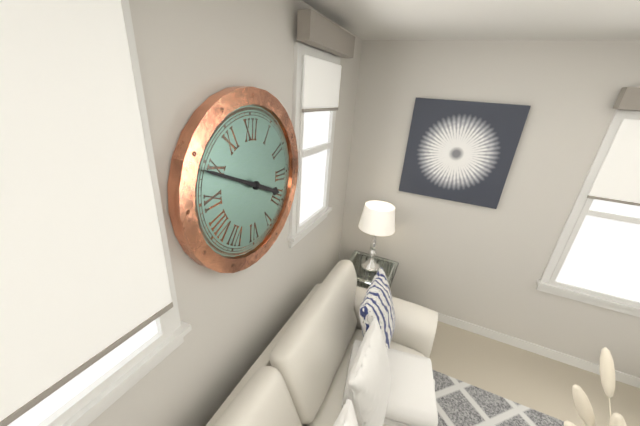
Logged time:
h=3 m=49
